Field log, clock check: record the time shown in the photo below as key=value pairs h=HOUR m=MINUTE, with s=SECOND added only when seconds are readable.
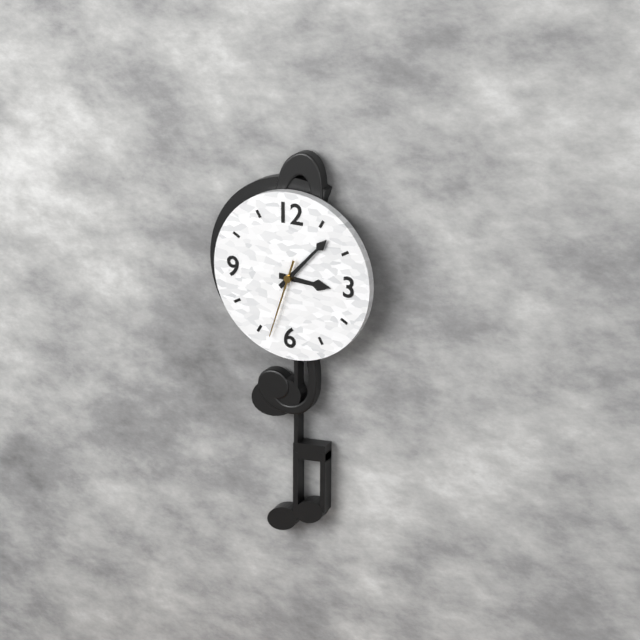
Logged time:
h=3 m=7 s=33
